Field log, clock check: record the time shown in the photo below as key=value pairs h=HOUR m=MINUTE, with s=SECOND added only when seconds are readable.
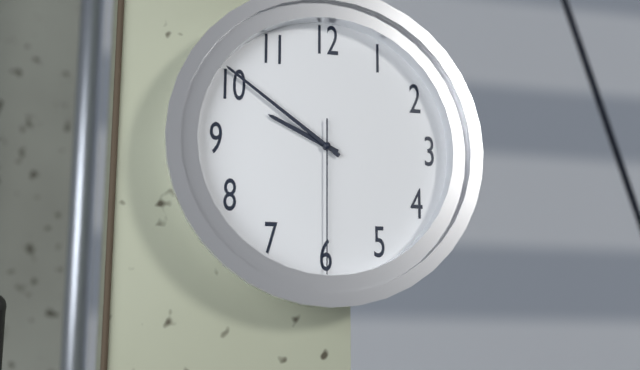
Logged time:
h=9 m=51 s=30
